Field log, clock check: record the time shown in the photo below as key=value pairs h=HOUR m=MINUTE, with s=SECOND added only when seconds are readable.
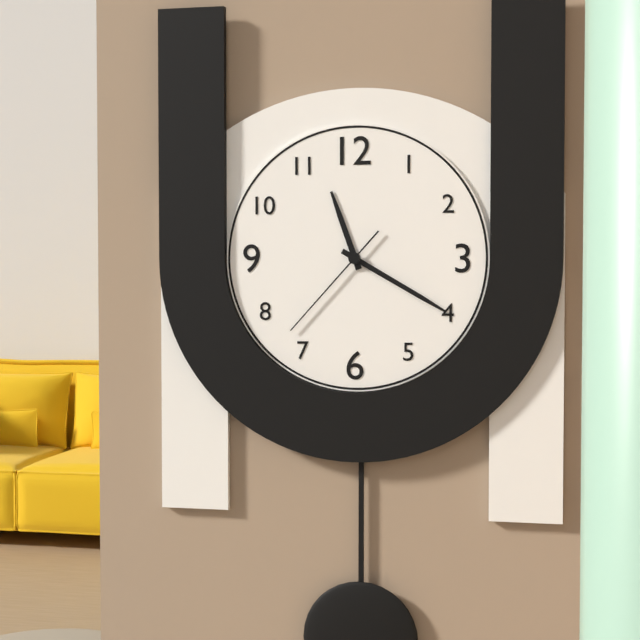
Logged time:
h=11 m=20 s=37
